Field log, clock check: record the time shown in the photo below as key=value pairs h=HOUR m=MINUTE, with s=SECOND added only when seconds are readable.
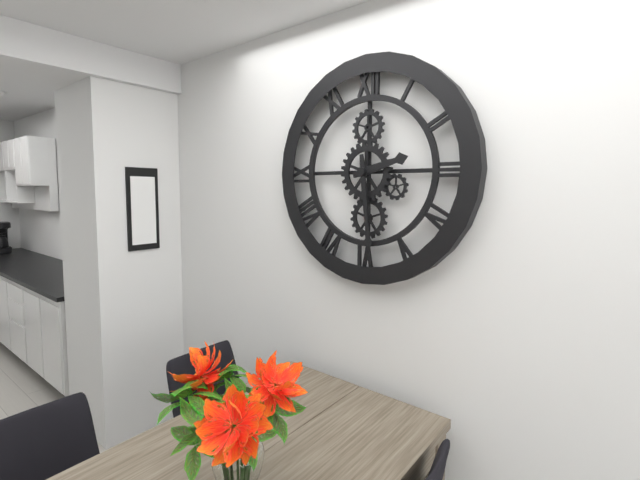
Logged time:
h=2 m=29
